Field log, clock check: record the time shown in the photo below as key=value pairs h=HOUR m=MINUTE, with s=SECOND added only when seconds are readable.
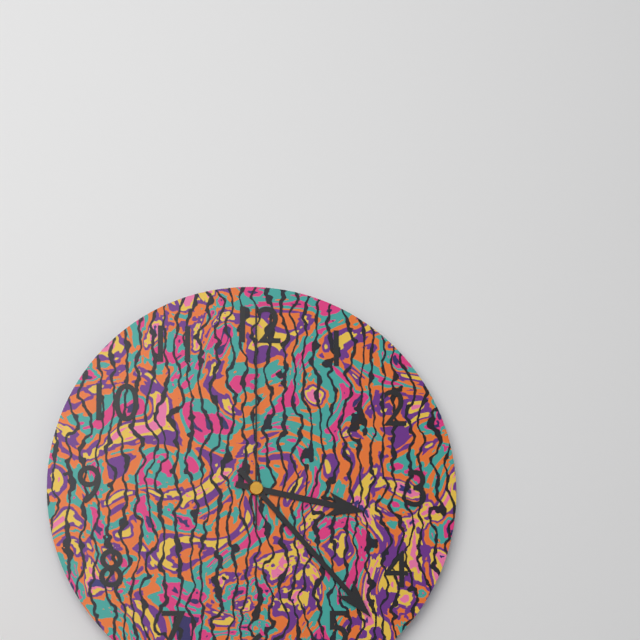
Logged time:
h=3 m=23 s=0
